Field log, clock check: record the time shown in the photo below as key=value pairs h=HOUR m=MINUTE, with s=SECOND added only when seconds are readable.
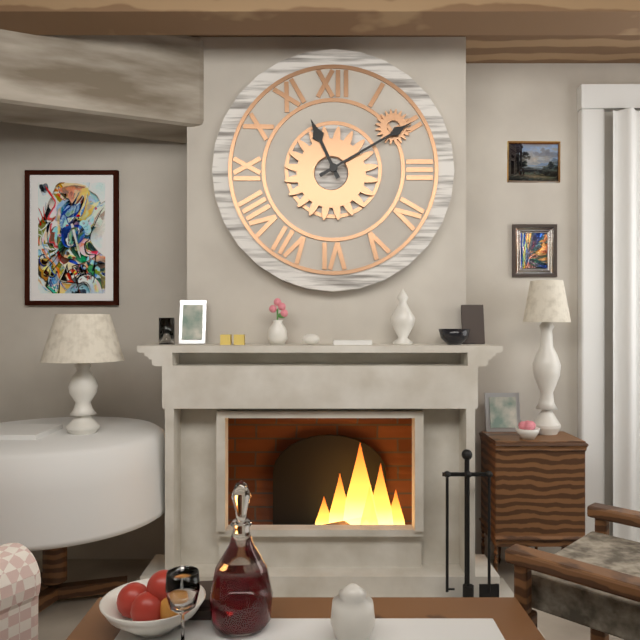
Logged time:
h=11 m=10
